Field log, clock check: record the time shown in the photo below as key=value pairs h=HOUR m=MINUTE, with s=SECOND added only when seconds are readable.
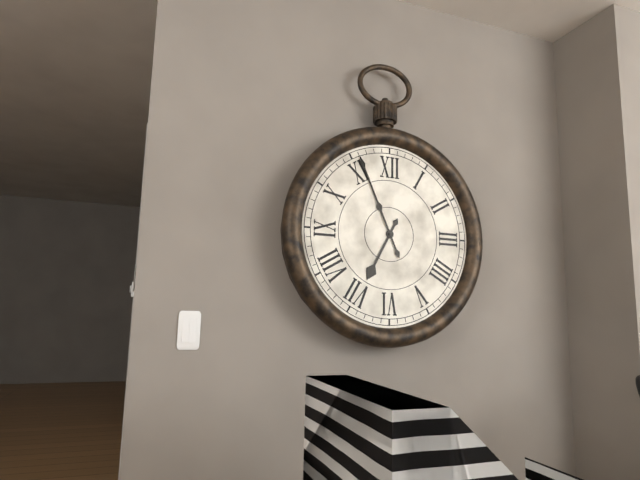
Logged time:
h=6 m=56
